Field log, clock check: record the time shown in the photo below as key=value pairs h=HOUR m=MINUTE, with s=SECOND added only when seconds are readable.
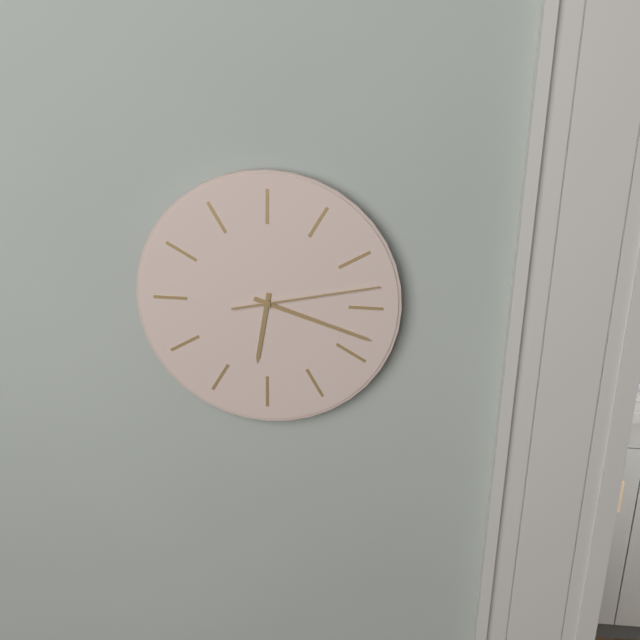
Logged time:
h=6 m=18 s=13
